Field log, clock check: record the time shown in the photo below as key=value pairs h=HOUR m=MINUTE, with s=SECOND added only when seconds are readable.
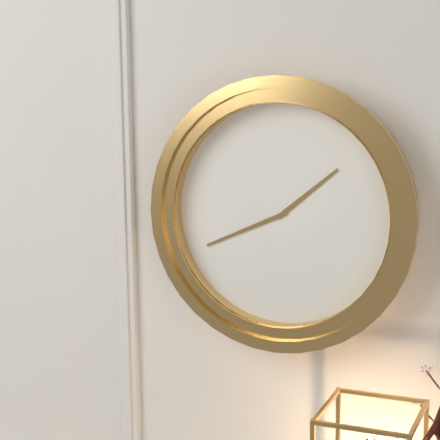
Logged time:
h=1 m=41
